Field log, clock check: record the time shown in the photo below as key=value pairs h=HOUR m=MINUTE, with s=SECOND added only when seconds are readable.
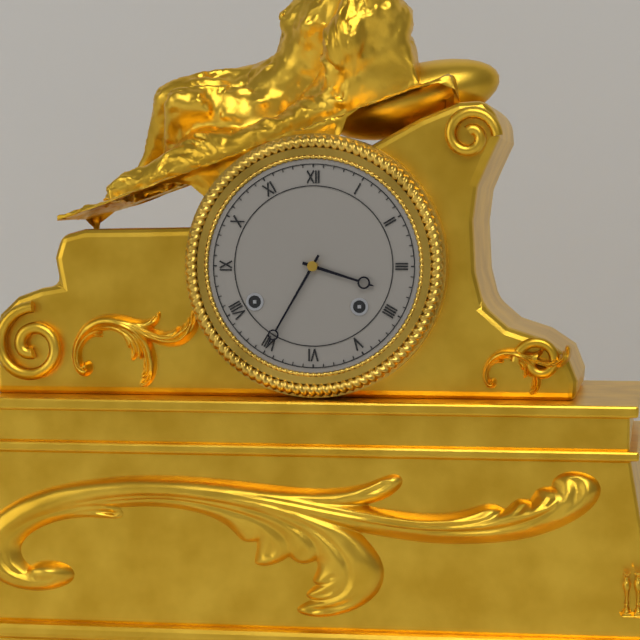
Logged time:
h=3 m=35
